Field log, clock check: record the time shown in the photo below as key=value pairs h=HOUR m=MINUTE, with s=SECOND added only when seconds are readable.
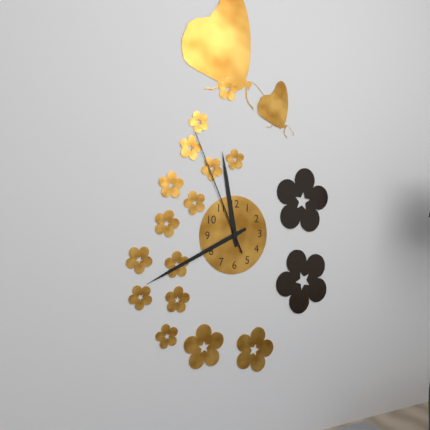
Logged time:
h=11 m=41 s=56
